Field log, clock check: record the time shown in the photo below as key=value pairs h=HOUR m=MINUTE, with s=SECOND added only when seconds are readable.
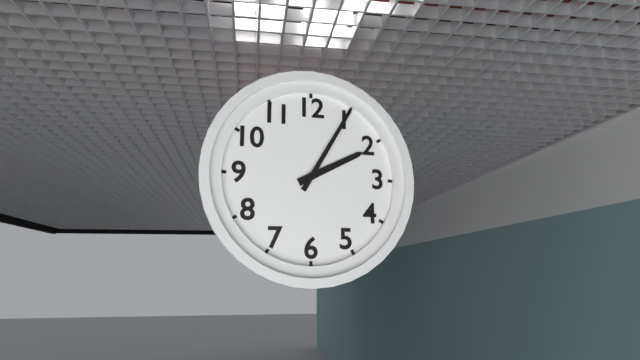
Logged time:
h=2 m=5
